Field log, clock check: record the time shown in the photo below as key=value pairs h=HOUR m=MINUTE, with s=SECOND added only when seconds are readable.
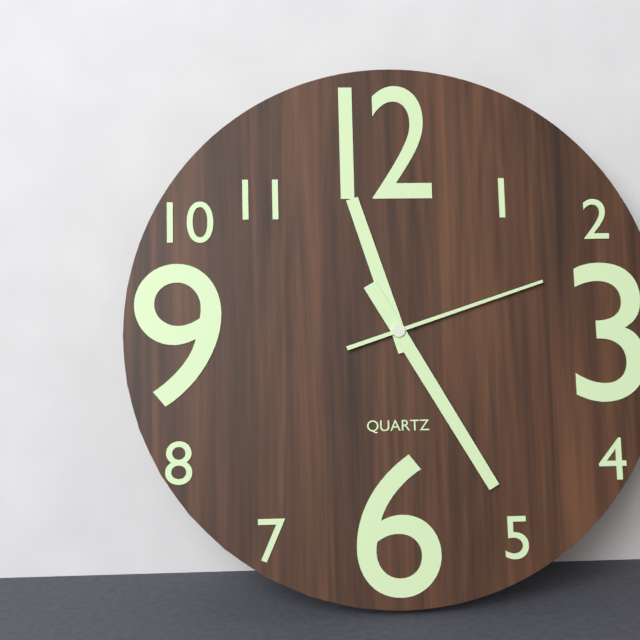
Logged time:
h=11 m=25 s=12
